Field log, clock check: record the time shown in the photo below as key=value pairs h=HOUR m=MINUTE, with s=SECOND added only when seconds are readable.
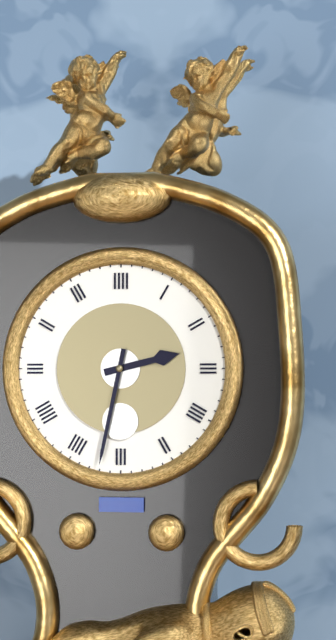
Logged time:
h=2 m=32
